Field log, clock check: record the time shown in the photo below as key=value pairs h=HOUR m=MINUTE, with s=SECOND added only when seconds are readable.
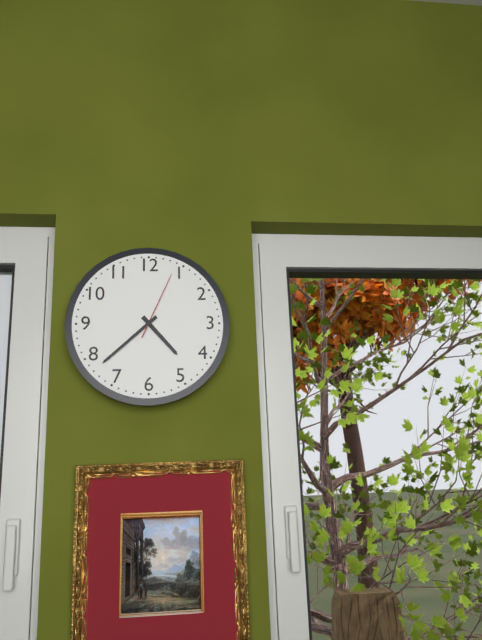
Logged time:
h=4 m=38 s=4
